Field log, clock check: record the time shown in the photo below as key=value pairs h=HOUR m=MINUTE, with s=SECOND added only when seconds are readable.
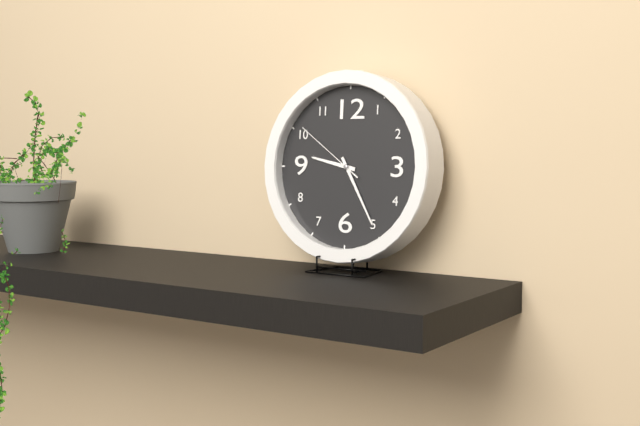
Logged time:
h=9 m=25 s=51
